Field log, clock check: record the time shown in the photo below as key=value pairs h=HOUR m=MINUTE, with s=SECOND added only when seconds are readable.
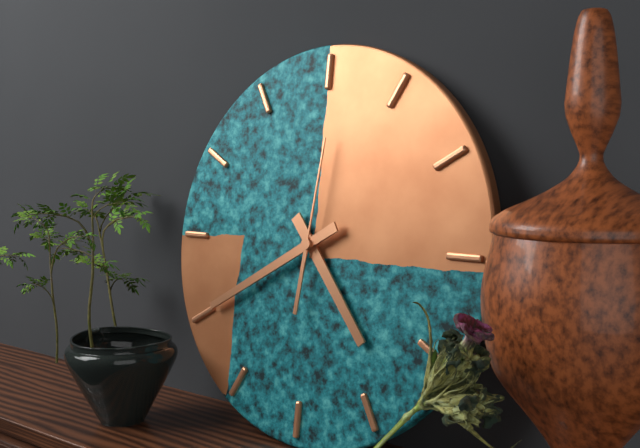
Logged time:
h=4 m=40 s=1
